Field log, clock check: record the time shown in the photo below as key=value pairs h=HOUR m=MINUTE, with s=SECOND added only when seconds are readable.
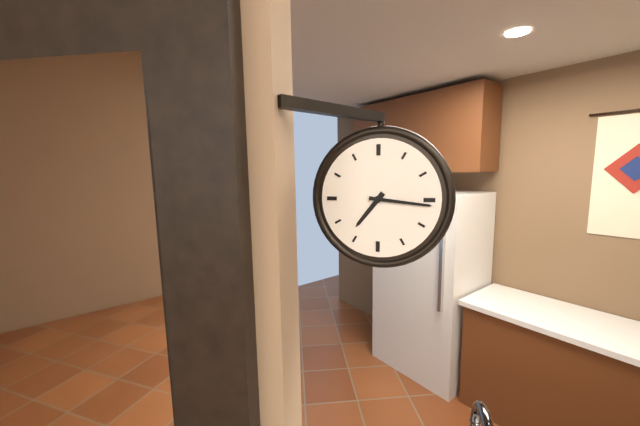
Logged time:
h=7 m=16
